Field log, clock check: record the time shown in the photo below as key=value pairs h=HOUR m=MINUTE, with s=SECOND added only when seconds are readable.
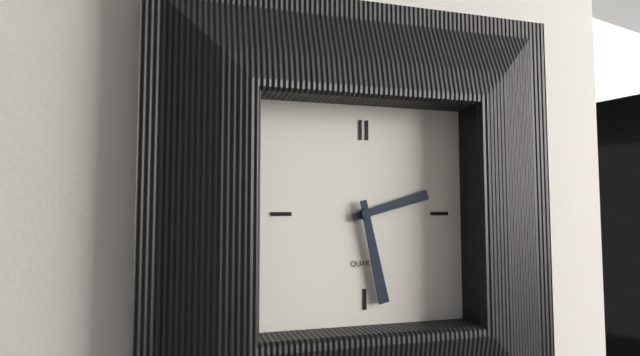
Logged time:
h=2 m=28
